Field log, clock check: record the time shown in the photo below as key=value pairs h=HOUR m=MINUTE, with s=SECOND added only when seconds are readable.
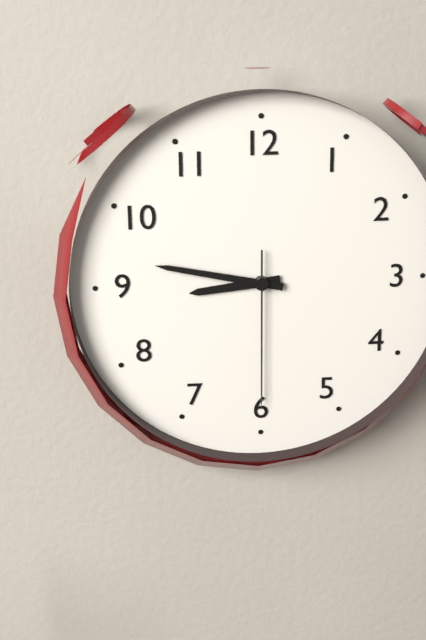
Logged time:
h=8 m=47 s=30
